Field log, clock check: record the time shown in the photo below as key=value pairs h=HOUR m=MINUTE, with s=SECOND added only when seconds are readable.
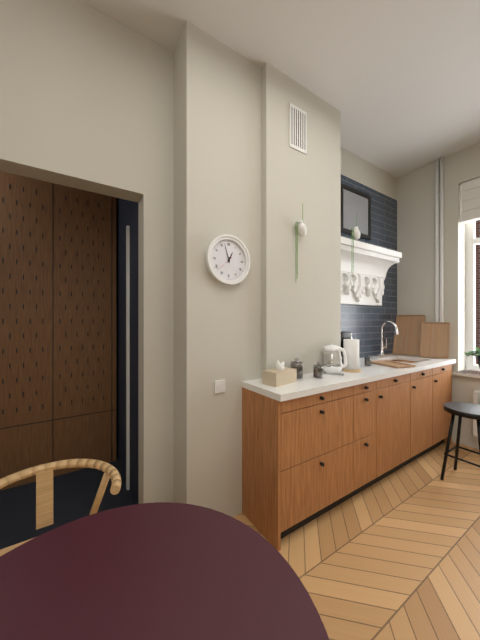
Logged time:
h=12 m=57
